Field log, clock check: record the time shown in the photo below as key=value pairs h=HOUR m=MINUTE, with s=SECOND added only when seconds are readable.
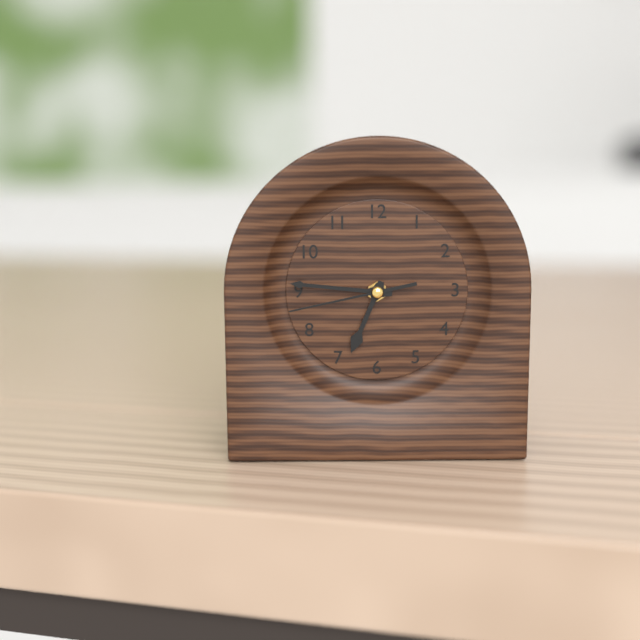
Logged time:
h=6 m=46 s=43
